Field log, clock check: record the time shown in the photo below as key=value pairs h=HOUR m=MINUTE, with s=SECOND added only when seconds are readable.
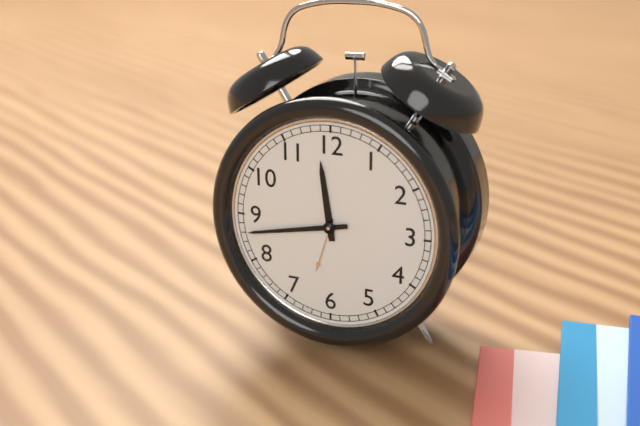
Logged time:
h=11 m=43
